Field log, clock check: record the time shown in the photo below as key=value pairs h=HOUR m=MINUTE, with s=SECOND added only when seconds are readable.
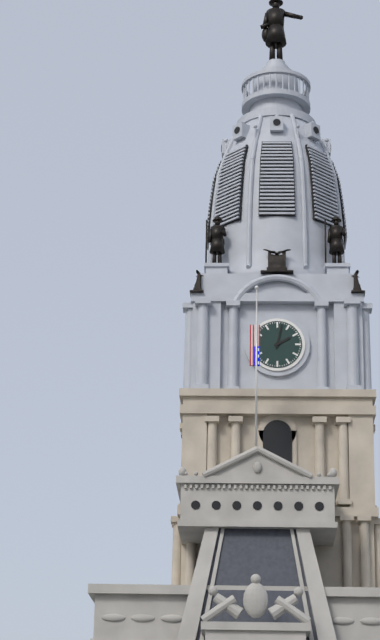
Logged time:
h=2 m=2
